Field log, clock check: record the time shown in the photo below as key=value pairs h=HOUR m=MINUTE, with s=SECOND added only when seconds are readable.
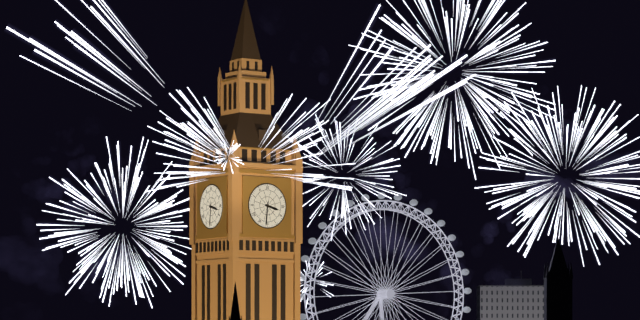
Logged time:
h=3 m=31
